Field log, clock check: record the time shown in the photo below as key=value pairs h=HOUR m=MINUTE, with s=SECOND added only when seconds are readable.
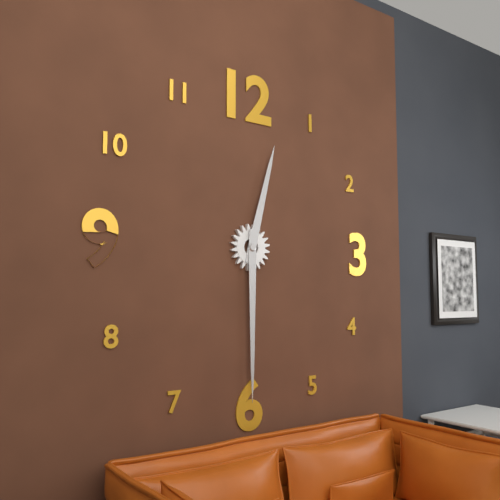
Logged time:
h=12 m=30
